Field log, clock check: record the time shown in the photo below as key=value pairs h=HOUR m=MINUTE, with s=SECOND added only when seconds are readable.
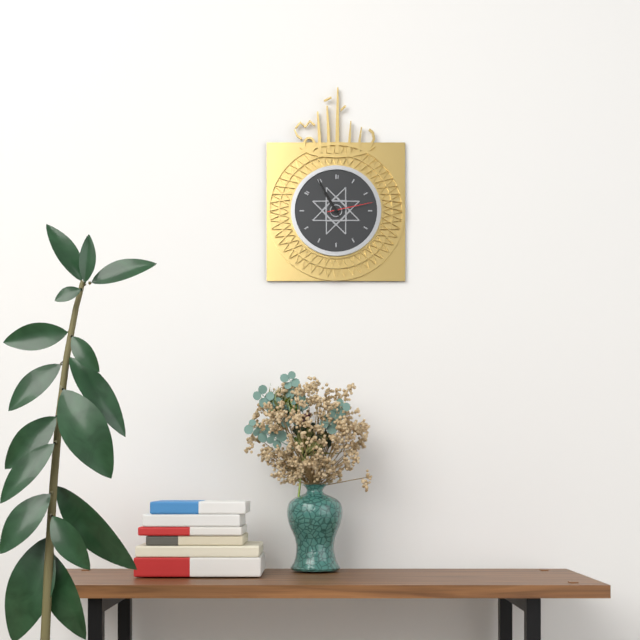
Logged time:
h=10 m=55
